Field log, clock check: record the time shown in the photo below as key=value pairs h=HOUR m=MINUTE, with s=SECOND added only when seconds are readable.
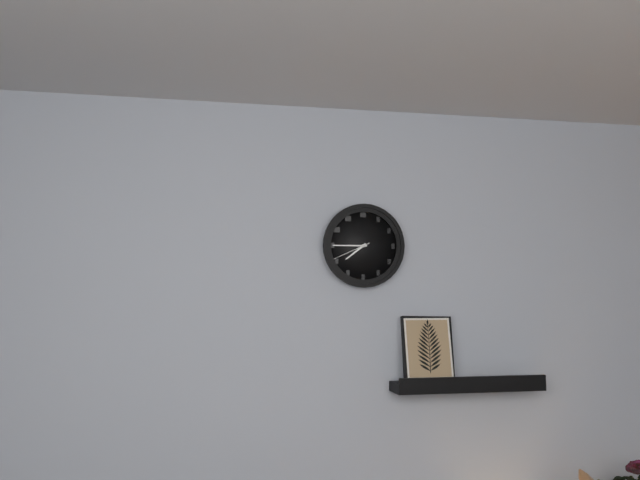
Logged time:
h=7 m=45
